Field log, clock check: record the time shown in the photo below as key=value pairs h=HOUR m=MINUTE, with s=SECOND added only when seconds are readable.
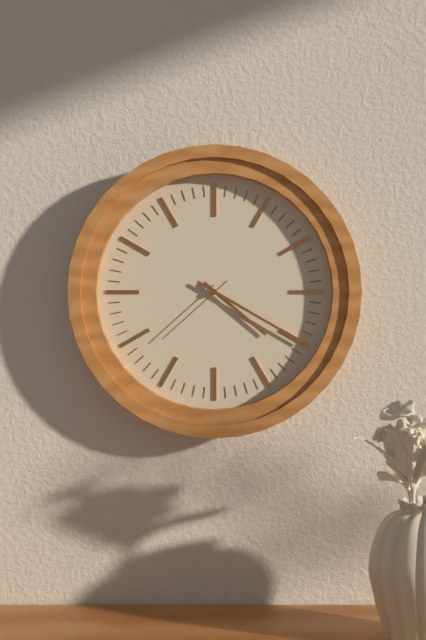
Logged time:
h=4 m=20 s=38
